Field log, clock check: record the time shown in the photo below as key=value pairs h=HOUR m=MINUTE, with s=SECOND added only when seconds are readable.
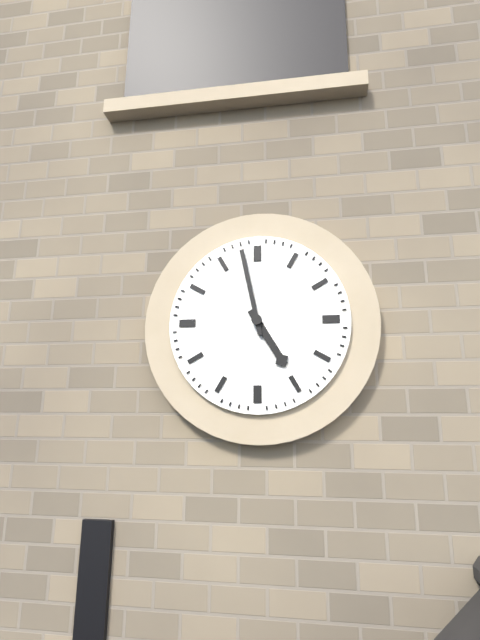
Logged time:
h=4 m=58
